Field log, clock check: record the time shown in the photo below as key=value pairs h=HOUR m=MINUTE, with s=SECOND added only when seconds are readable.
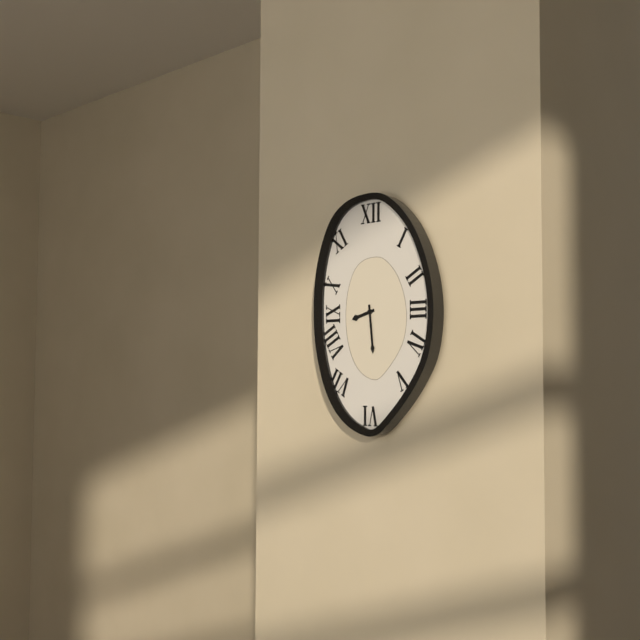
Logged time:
h=8 m=29
